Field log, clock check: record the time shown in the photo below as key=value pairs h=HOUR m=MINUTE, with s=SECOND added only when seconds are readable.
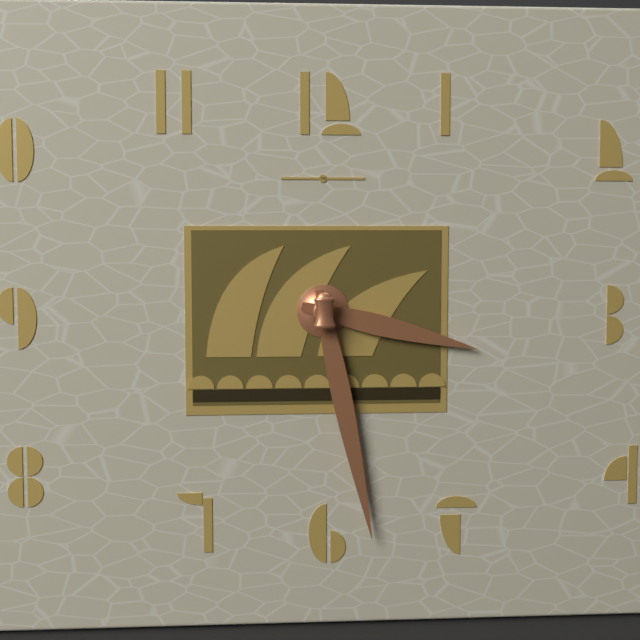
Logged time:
h=3 m=28
